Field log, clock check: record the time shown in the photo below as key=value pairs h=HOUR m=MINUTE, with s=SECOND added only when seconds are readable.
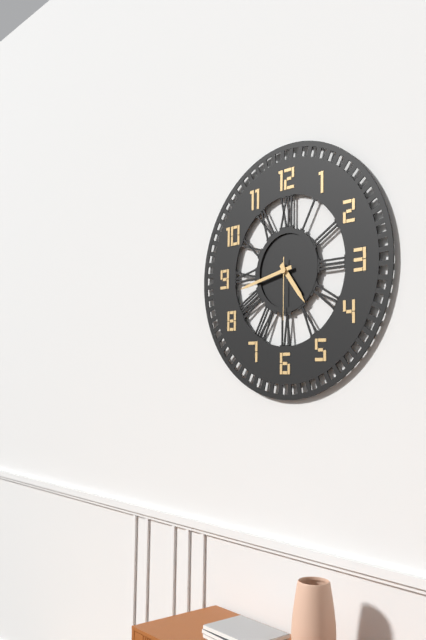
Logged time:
h=4 m=43 s=30
